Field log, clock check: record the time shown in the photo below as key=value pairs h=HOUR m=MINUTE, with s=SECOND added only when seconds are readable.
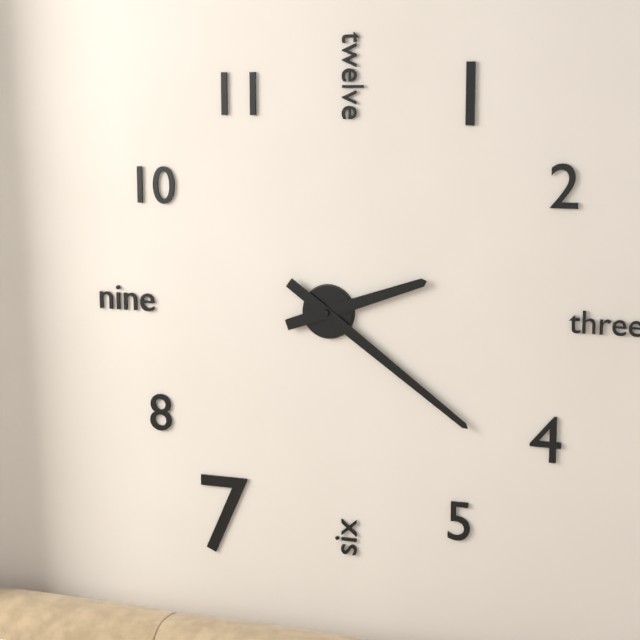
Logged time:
h=2 m=21
